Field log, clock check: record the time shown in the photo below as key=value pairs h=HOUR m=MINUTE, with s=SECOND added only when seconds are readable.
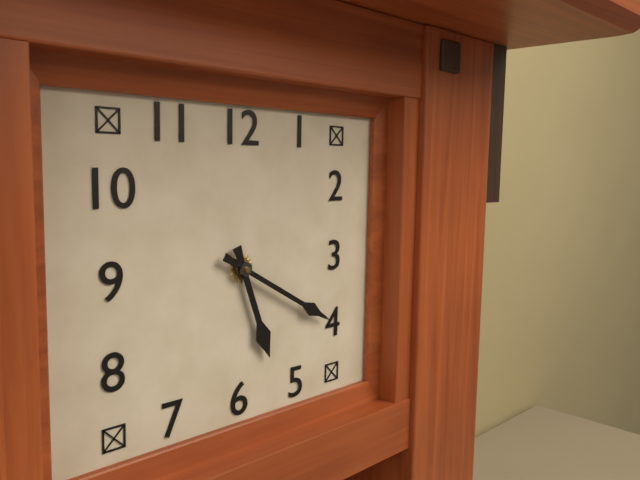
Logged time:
h=5 m=20
